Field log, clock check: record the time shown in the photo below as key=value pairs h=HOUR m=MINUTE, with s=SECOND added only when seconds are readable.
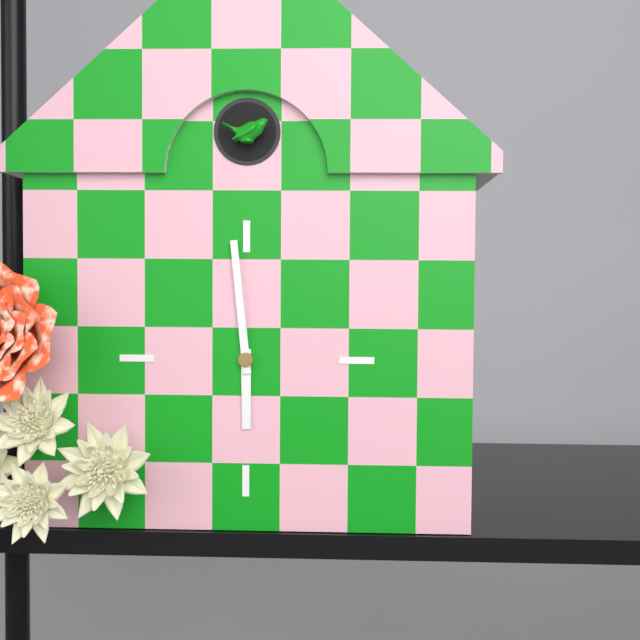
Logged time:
h=5 m=59
